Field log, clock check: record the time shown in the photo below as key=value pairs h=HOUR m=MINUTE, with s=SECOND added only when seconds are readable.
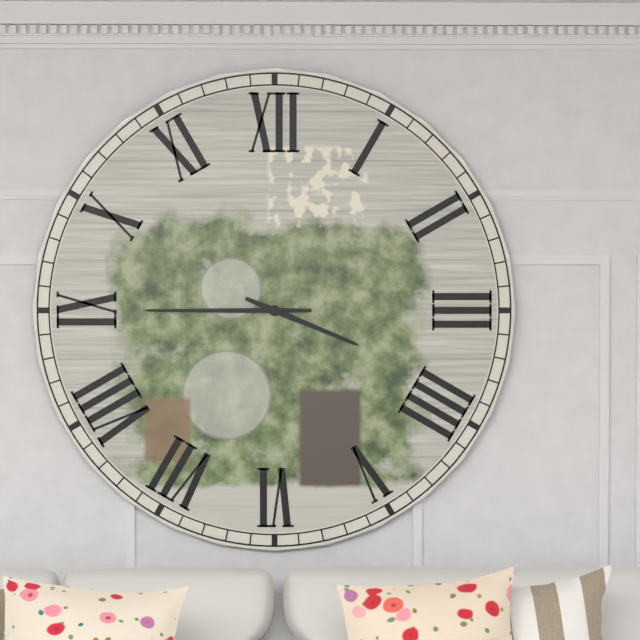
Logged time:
h=3 m=45
